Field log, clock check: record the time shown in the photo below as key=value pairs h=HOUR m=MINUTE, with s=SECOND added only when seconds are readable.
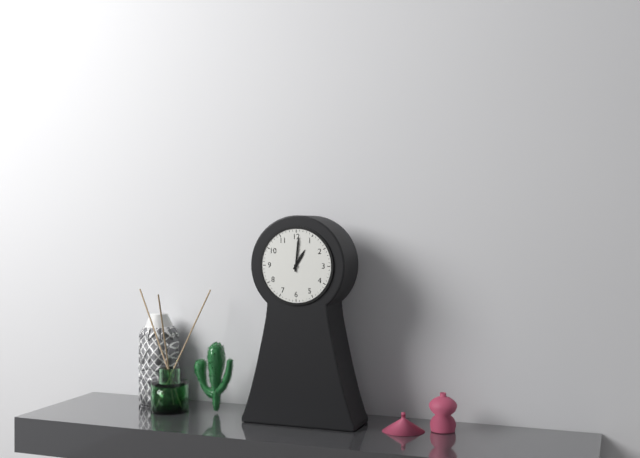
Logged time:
h=1 m=1
